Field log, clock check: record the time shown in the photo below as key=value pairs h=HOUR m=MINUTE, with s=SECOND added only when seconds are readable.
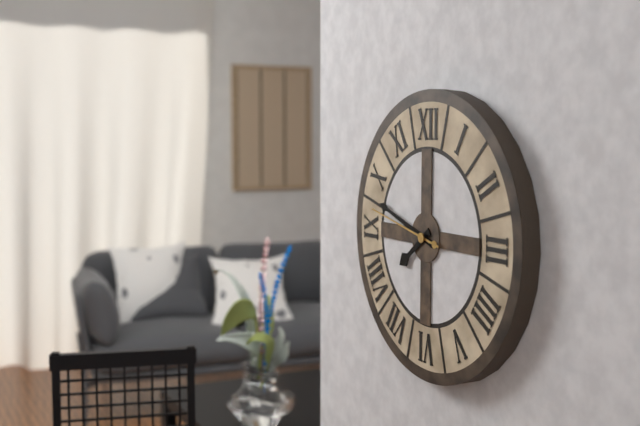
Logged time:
h=7 m=48 s=47
